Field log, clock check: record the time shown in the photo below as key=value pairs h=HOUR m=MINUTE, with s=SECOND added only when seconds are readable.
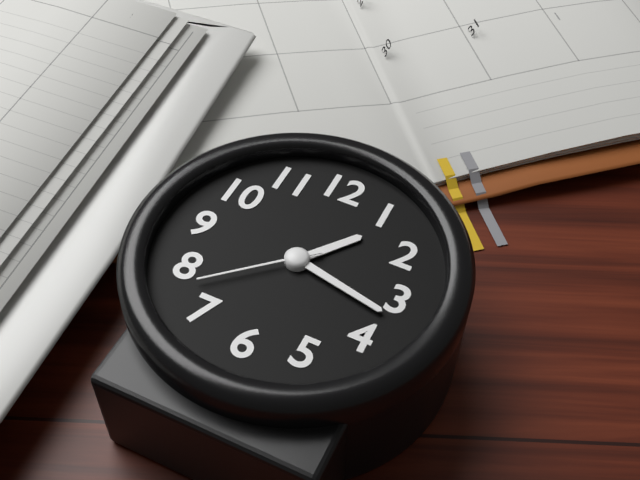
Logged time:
h=1 m=17 s=38
